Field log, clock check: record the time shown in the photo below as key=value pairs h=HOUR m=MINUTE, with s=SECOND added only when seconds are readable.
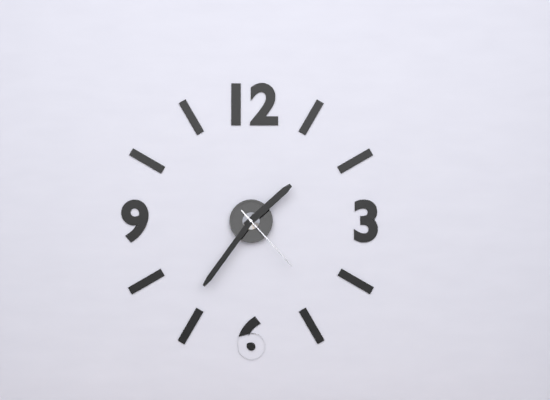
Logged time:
h=1 m=36 s=23
